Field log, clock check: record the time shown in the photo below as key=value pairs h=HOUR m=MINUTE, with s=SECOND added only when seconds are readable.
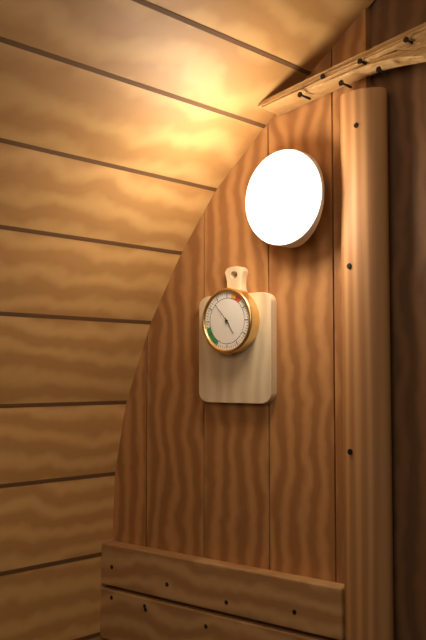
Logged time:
h=4 m=53
